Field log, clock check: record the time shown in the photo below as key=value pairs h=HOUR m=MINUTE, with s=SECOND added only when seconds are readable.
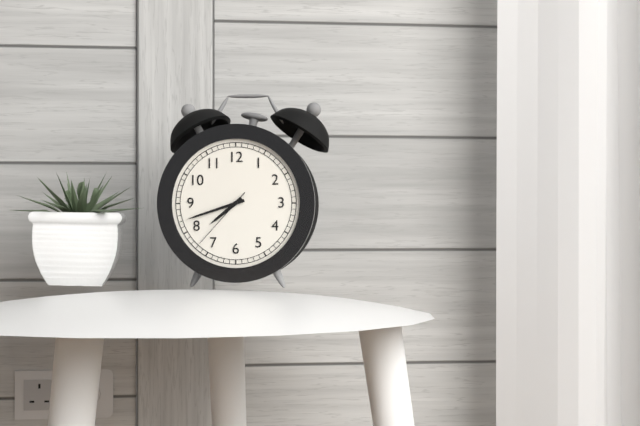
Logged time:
h=7 m=42 s=37
